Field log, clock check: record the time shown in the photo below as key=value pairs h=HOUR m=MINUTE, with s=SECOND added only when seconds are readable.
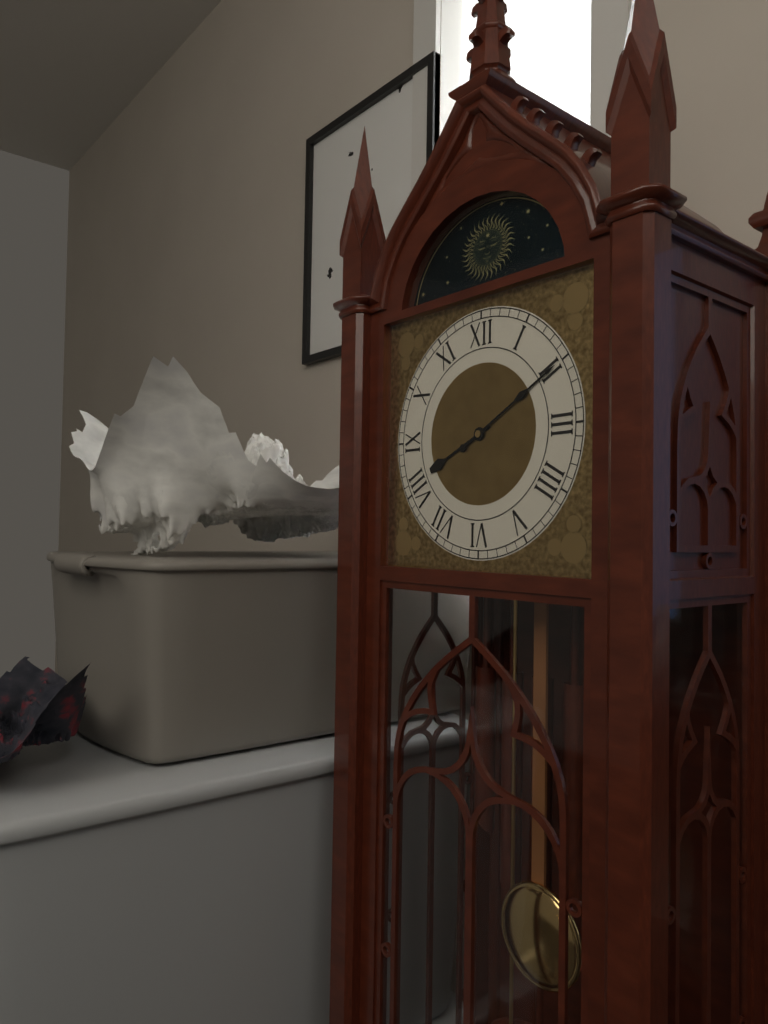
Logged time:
h=8 m=10
